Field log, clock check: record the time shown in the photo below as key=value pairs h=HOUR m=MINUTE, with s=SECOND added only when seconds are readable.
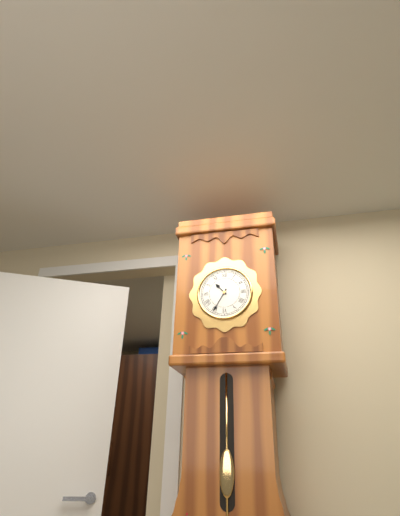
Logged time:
h=10 m=35
